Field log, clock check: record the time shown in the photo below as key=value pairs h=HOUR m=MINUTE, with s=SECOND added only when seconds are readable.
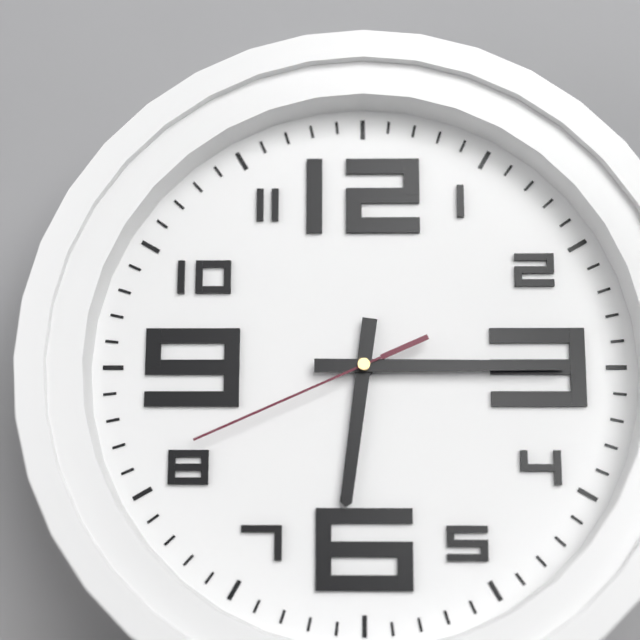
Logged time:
h=6 m=15 s=41
